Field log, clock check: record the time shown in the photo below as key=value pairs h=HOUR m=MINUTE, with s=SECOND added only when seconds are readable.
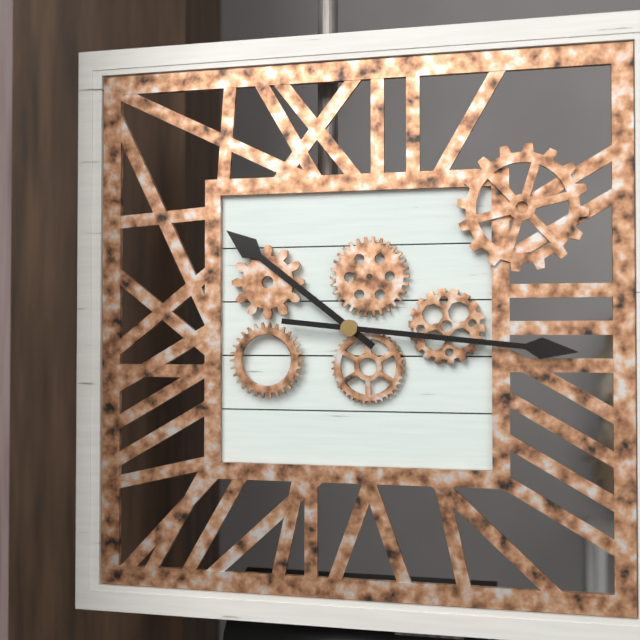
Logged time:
h=10 m=16
